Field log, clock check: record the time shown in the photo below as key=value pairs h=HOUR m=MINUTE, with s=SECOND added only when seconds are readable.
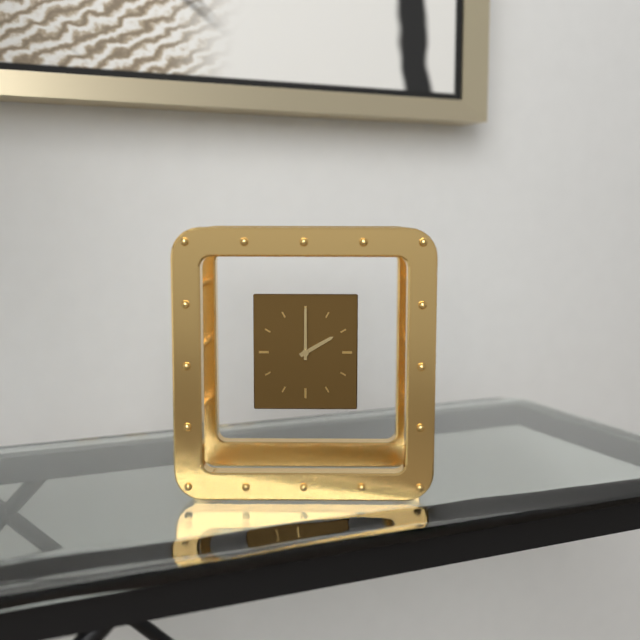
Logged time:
h=2 m=0
